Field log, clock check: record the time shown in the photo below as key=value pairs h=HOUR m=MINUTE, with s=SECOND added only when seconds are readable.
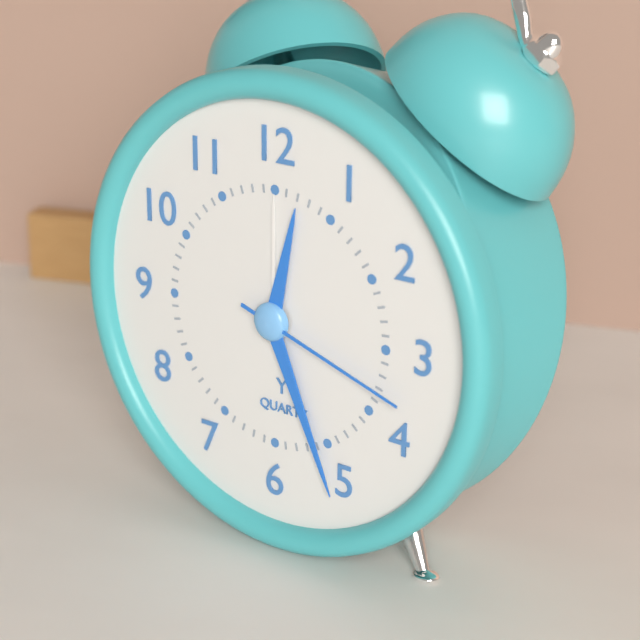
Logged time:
h=12 m=26 s=18
